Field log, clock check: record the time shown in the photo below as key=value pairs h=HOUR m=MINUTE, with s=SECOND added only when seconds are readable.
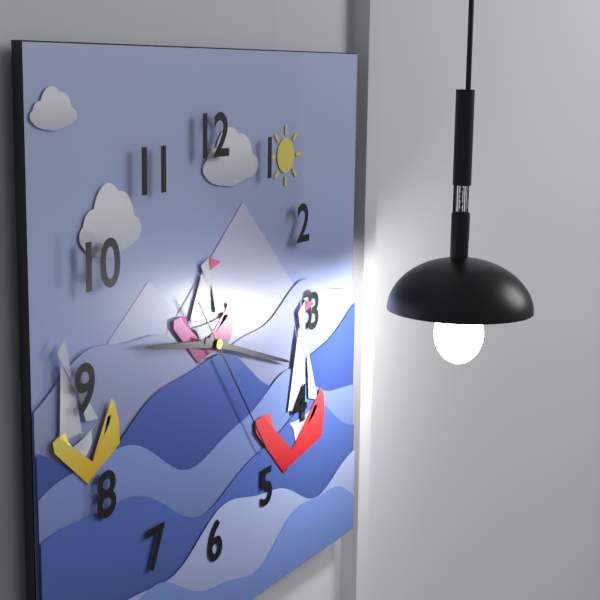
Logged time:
h=9 m=18 s=24
